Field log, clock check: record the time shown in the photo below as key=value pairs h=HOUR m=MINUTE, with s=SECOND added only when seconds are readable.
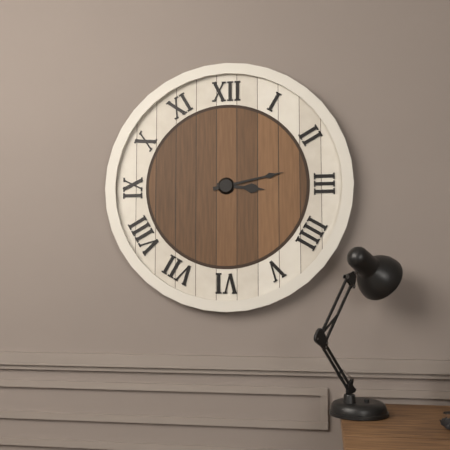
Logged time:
h=3 m=13
